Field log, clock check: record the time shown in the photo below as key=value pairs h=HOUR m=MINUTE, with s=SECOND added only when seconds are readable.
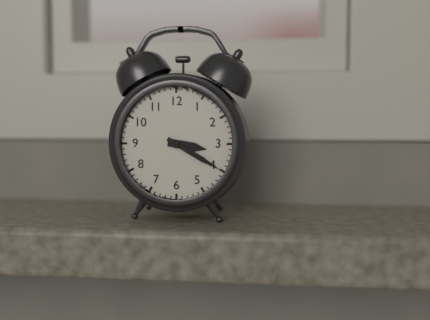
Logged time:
h=3 m=20
